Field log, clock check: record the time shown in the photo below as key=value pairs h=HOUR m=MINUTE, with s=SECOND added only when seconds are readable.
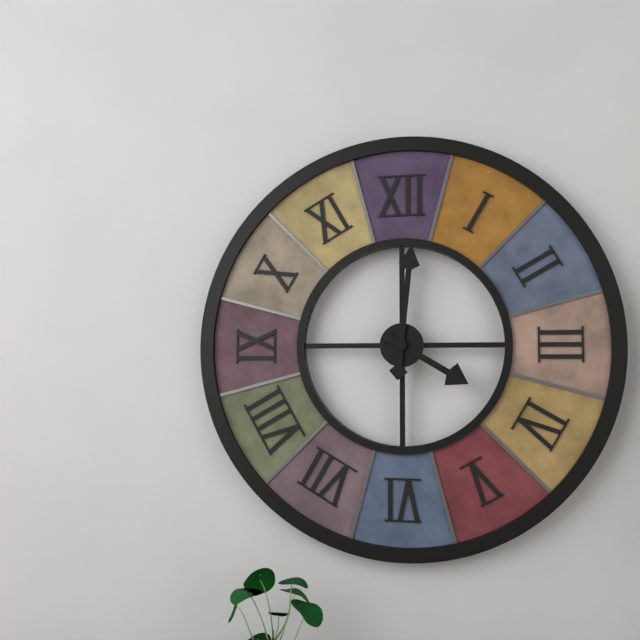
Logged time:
h=4 m=1
